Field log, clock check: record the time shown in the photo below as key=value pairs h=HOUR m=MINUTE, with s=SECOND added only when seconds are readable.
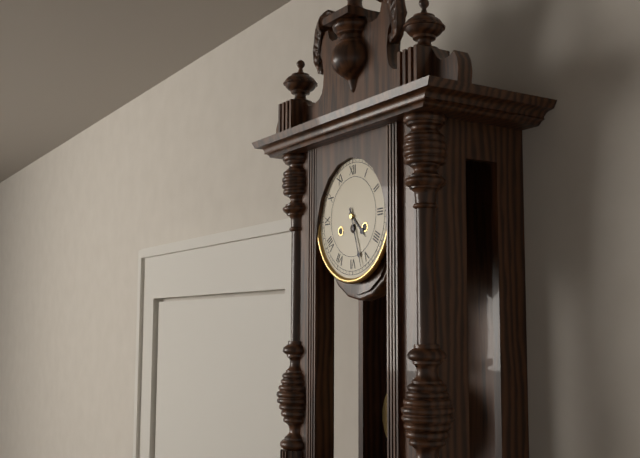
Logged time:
h=4 m=27
